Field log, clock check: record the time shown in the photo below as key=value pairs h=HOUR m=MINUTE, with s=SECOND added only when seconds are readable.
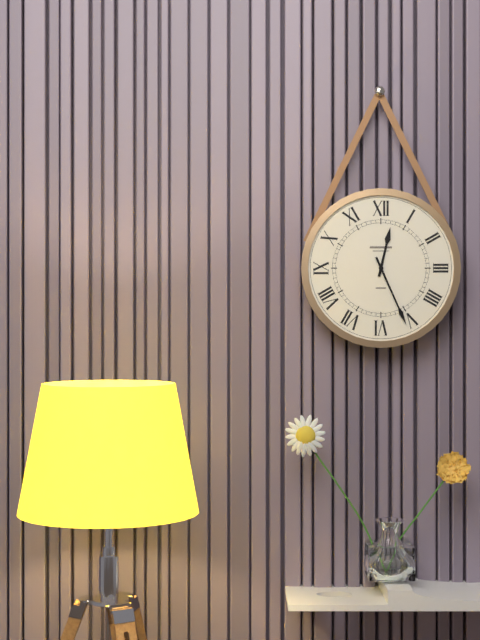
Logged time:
h=12 m=26
